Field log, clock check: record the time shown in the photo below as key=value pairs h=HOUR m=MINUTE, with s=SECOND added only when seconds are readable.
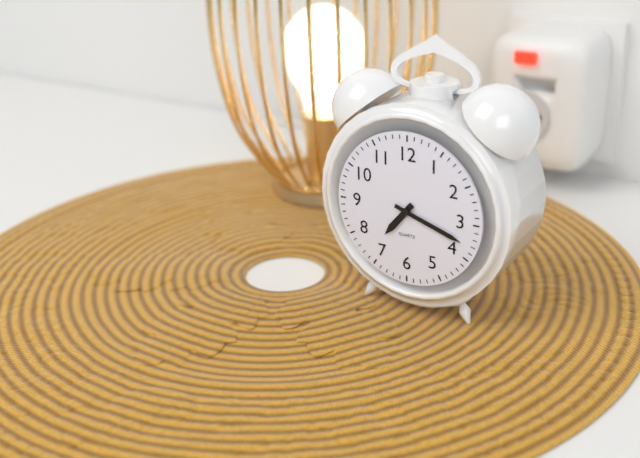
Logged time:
h=7 m=18
